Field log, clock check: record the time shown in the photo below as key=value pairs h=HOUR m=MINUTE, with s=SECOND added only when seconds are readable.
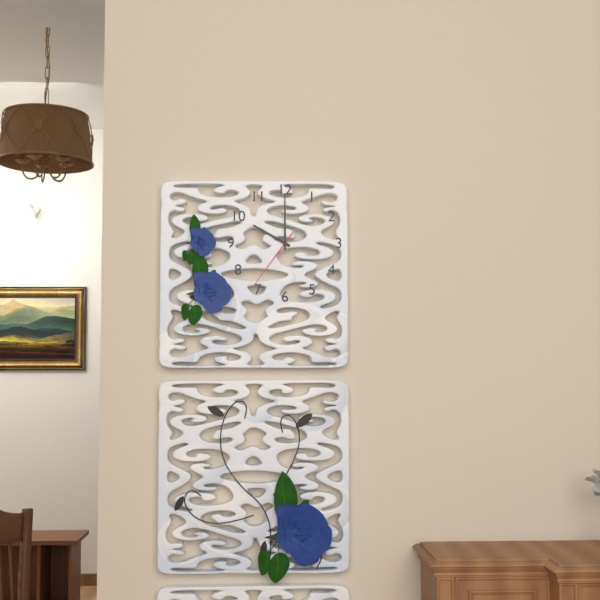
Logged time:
h=10 m=0 s=36
